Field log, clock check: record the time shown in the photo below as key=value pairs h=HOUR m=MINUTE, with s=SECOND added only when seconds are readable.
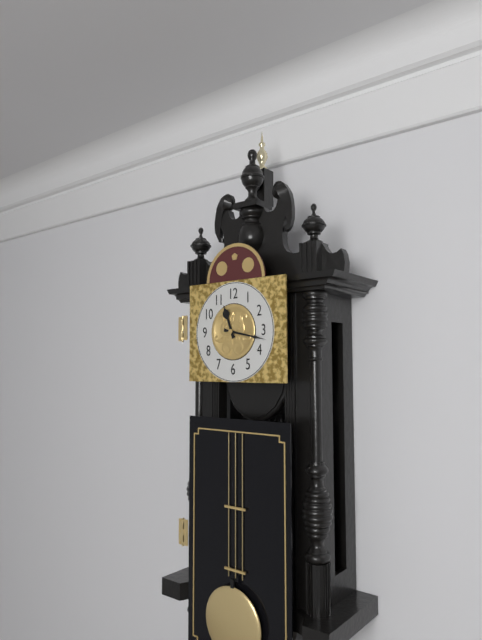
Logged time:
h=11 m=17
